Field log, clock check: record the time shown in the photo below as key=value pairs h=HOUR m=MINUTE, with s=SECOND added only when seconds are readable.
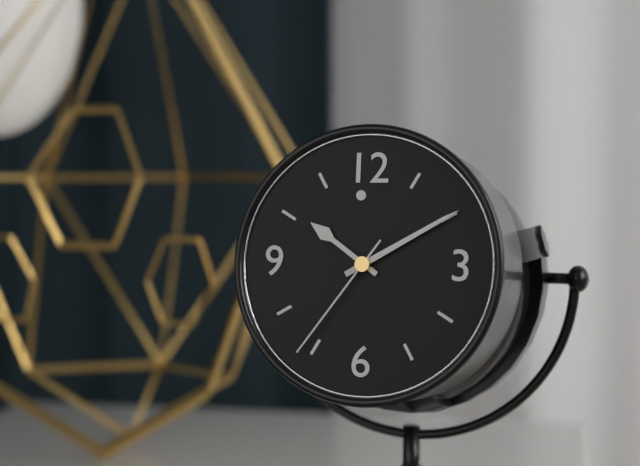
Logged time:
h=10 m=10 s=36
